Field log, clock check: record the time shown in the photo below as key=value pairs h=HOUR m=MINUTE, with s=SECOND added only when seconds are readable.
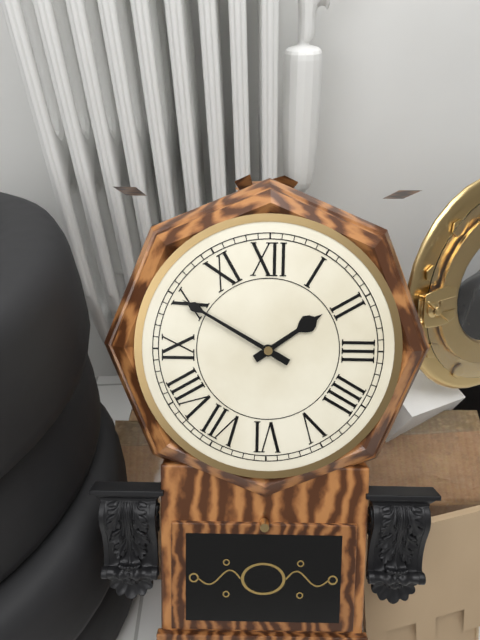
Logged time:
h=1 m=50
